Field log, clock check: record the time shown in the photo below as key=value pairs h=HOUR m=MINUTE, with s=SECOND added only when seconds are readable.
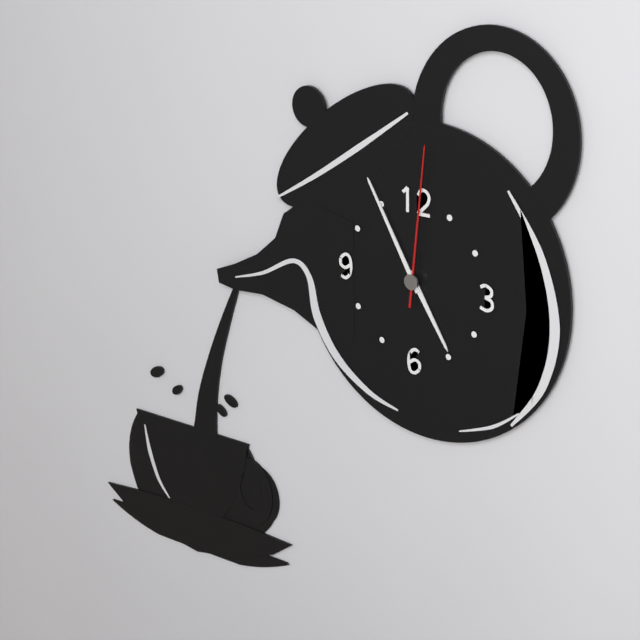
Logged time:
h=4 m=55 s=1
